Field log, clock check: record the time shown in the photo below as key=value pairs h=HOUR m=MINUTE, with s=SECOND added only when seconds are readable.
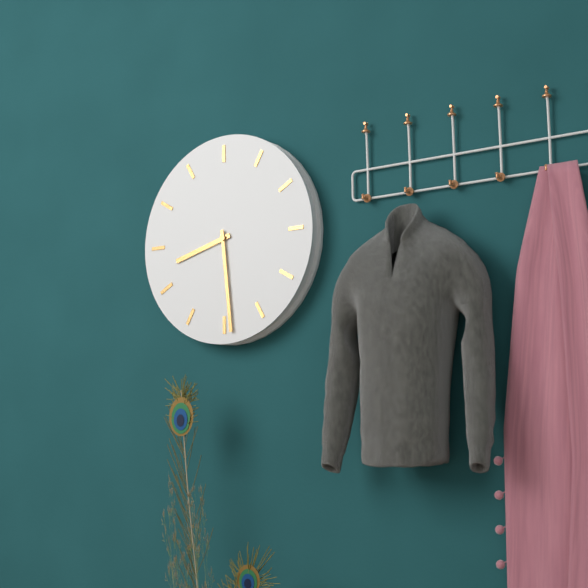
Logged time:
h=8 m=29
